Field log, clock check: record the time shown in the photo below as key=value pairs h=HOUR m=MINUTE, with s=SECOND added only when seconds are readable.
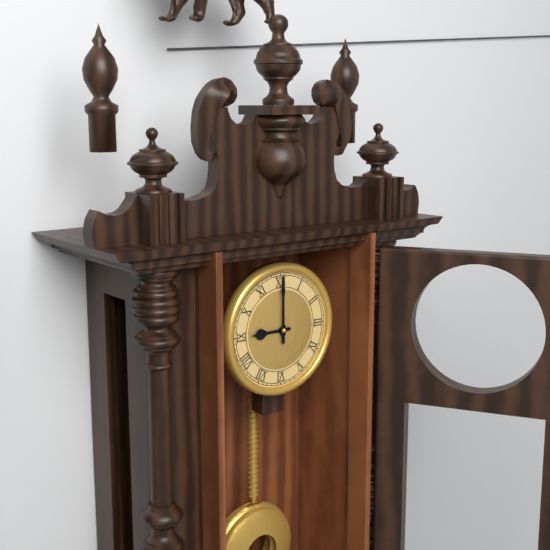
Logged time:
h=9 m=0
